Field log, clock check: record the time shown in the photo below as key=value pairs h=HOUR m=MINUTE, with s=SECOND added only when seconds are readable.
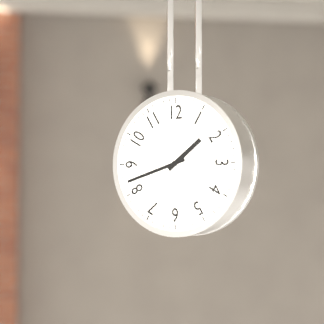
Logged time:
h=1 m=42
